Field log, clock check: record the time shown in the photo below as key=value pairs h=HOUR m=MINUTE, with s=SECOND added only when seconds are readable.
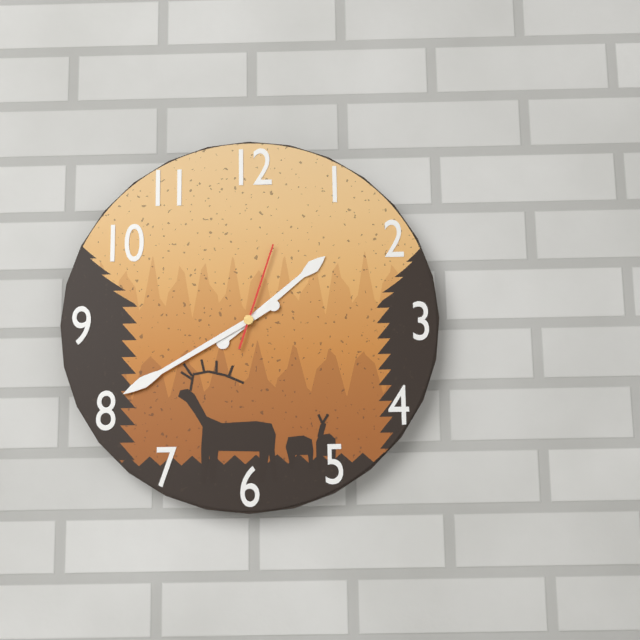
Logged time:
h=1 m=40 s=3
